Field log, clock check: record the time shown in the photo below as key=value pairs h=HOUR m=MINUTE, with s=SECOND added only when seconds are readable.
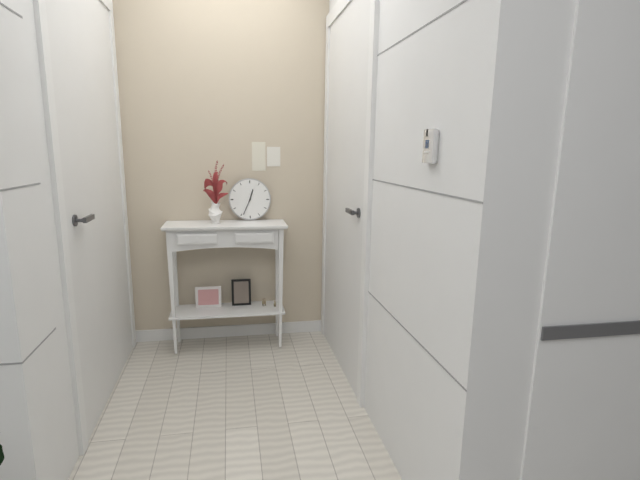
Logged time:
h=12 m=34
